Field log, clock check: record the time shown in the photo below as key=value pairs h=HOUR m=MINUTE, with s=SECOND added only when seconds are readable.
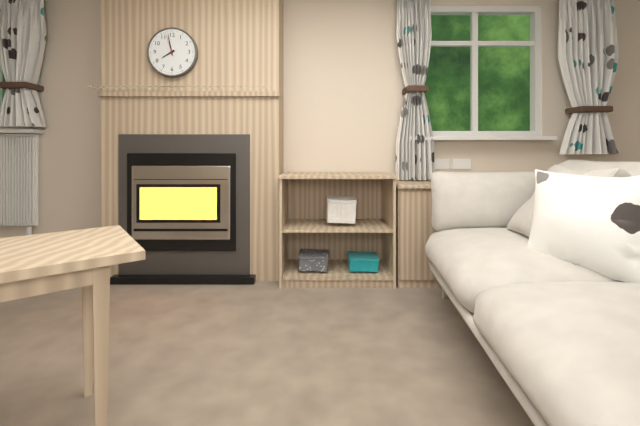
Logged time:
h=7 m=58
